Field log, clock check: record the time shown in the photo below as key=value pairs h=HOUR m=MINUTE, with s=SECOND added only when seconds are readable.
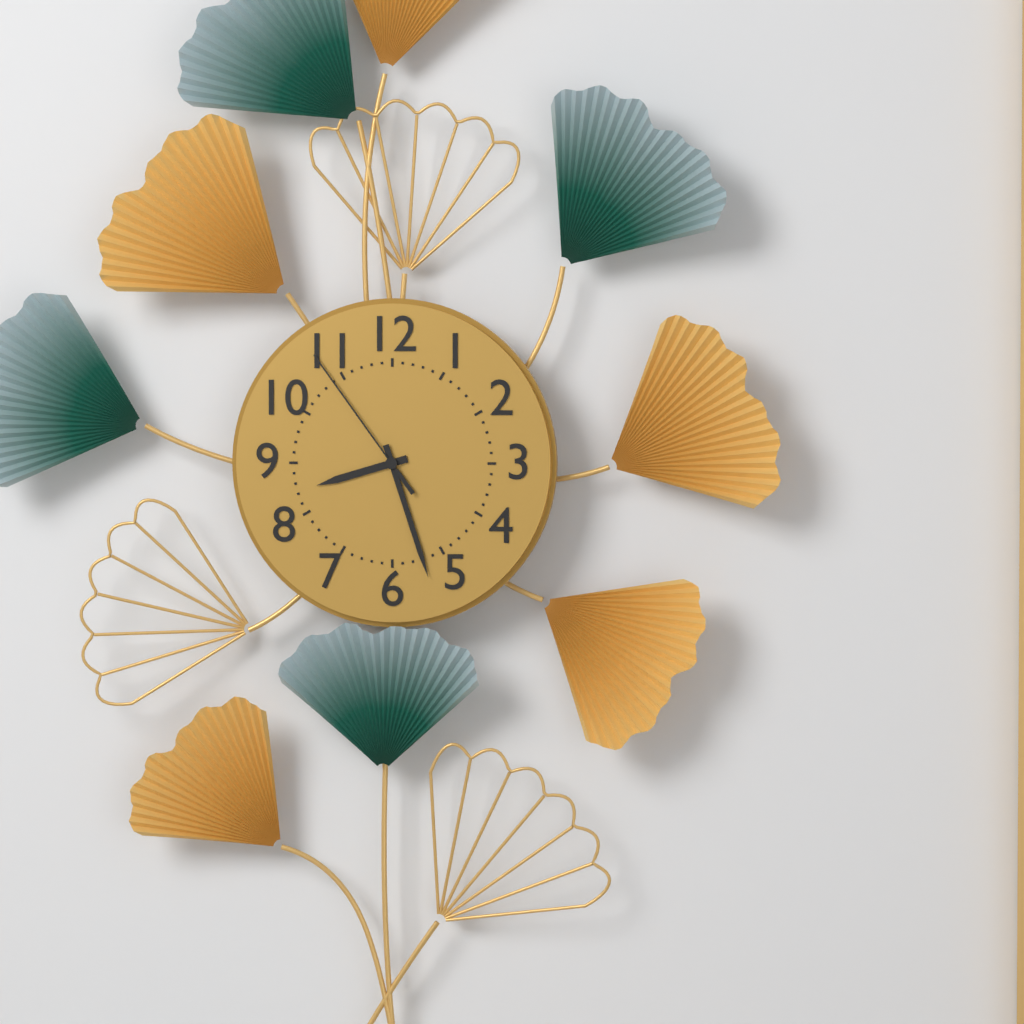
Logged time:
h=8 m=27 s=54
